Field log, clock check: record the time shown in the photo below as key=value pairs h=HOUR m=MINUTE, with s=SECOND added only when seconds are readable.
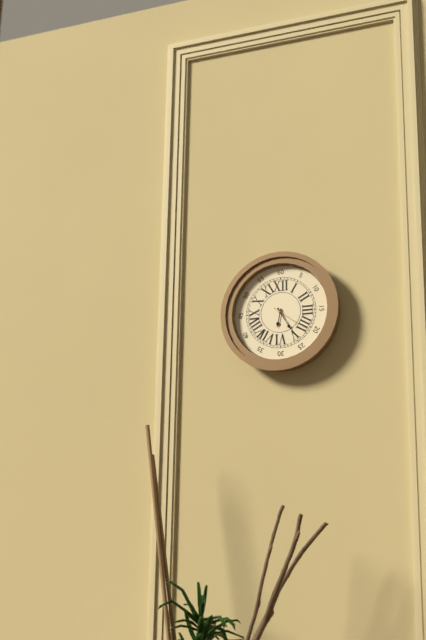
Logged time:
h=6 m=25
